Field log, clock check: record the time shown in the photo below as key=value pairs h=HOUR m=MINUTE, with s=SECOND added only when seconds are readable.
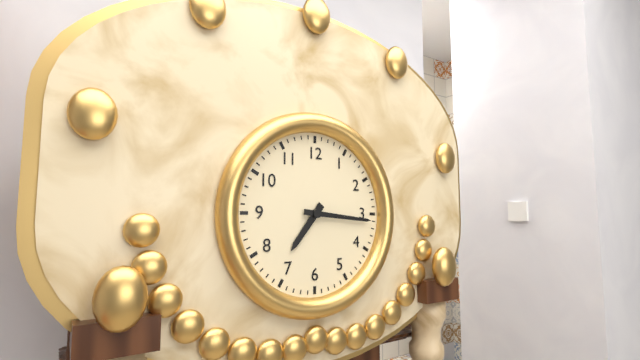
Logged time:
h=7 m=16
